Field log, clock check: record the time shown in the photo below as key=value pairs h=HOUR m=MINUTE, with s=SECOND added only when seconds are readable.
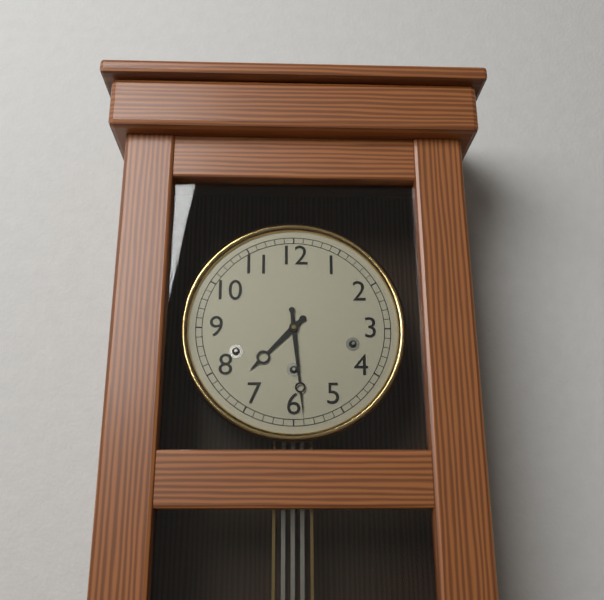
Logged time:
h=7 m=29
